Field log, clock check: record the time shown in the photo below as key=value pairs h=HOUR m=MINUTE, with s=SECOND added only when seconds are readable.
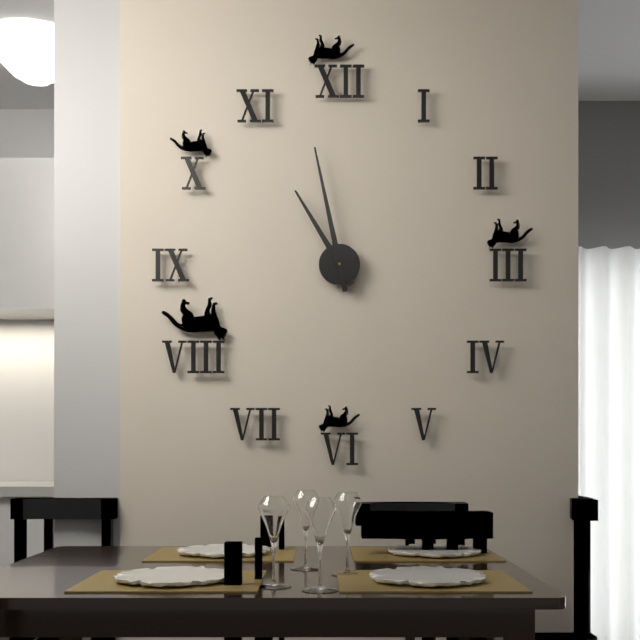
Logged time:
h=10 m=58
